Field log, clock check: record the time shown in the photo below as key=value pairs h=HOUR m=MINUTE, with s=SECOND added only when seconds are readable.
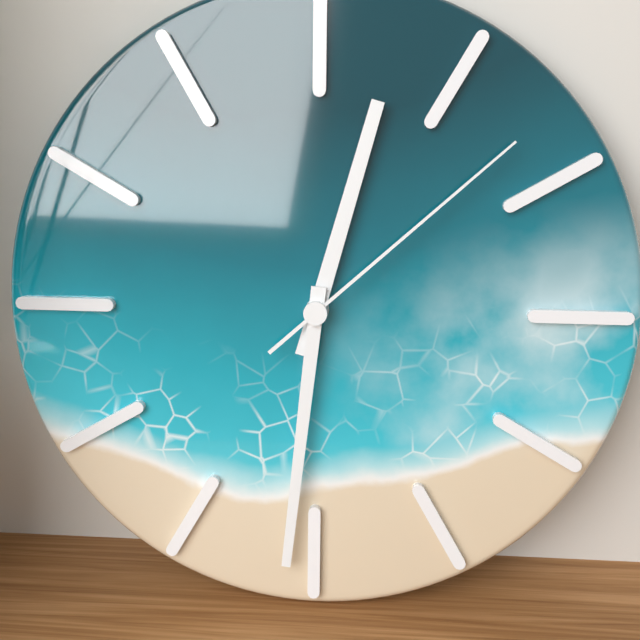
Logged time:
h=12 m=31 s=8
